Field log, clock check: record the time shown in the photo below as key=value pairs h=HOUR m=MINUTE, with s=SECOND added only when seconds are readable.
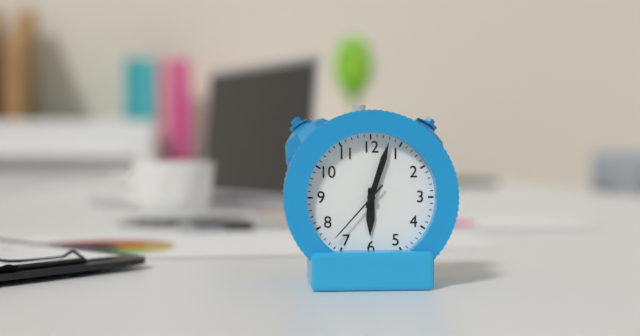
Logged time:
h=6 m=3 s=37
